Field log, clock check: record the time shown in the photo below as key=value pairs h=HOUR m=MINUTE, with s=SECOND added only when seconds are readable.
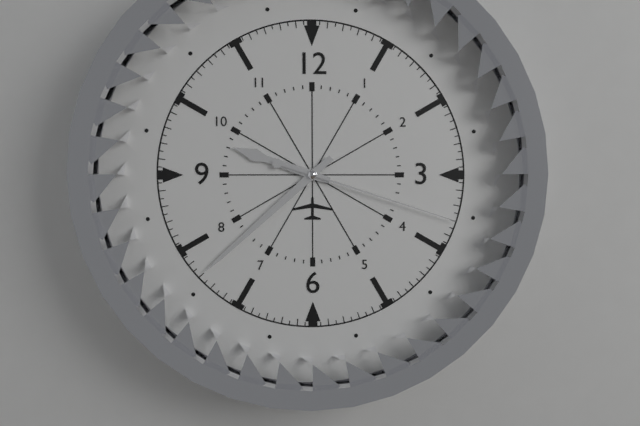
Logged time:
h=9 m=38 s=18
